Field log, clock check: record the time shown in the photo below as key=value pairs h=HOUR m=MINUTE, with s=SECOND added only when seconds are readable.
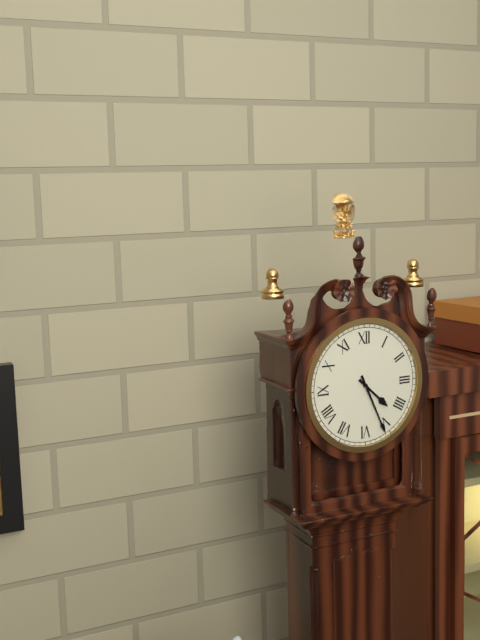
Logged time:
h=4 m=26
